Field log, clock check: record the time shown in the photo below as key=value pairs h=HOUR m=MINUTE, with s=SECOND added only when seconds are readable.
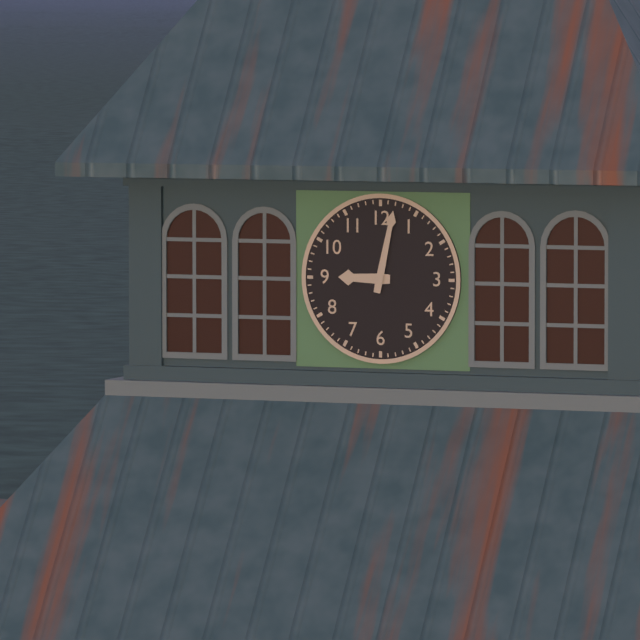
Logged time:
h=9 m=2
